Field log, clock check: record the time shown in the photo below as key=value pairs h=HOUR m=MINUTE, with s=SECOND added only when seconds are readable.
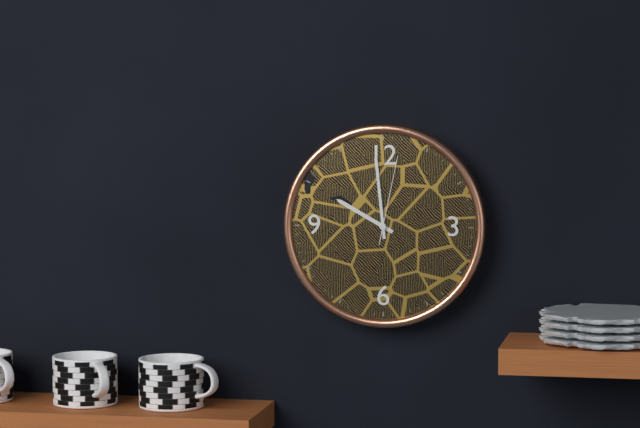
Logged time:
h=9 m=59 s=2
